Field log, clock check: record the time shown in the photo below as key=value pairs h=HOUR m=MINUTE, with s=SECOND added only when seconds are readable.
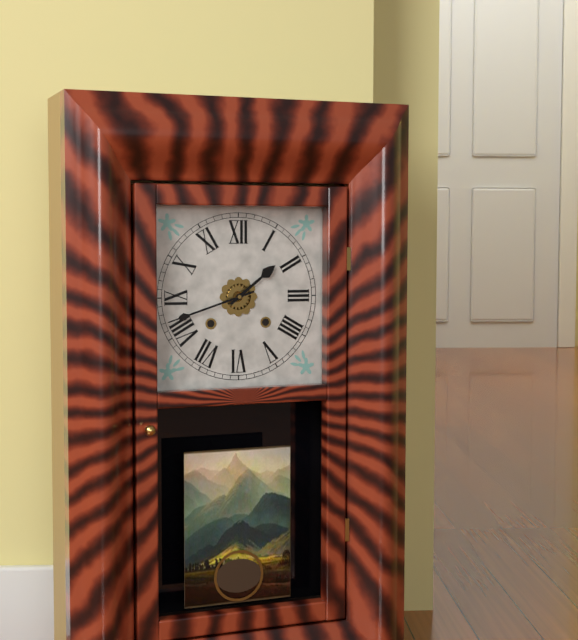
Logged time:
h=1 m=42
